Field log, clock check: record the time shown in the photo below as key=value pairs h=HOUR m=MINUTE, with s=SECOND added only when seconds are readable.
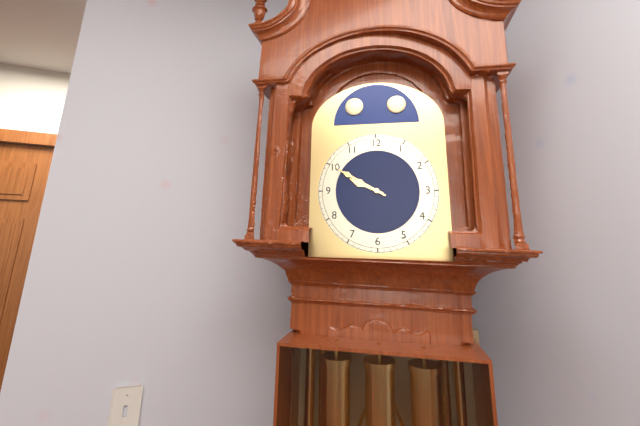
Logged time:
h=9 m=50
